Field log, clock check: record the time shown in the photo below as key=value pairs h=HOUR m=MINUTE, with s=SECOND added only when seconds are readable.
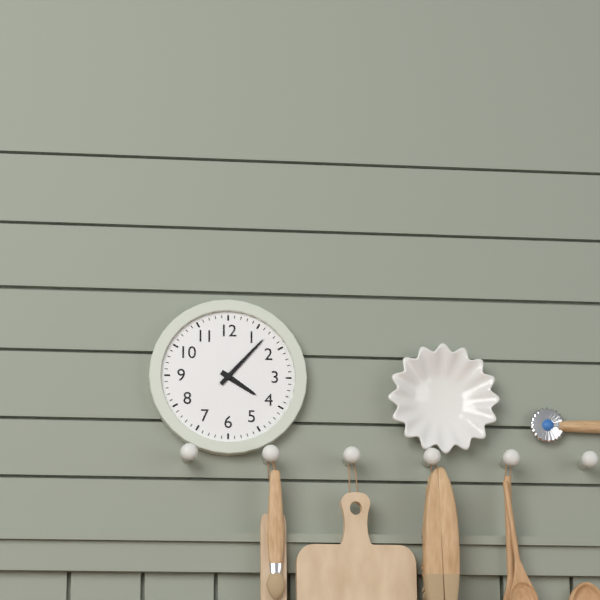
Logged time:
h=4 m=7
